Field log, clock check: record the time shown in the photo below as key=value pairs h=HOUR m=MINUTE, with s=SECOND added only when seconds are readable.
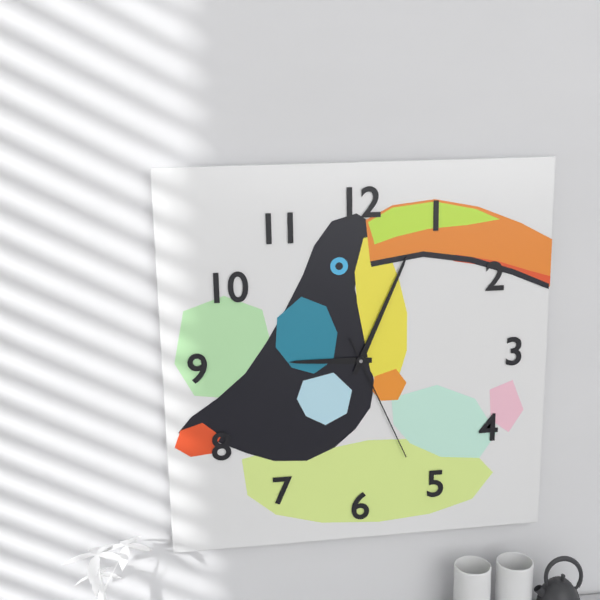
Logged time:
h=9 m=4 s=26
